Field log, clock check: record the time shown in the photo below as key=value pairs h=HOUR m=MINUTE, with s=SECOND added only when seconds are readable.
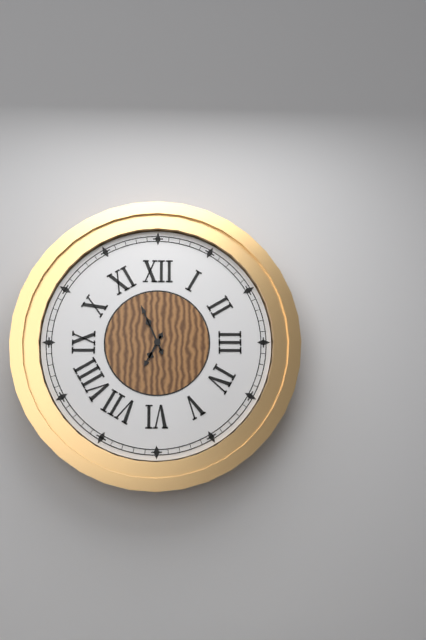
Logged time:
h=6 m=56
